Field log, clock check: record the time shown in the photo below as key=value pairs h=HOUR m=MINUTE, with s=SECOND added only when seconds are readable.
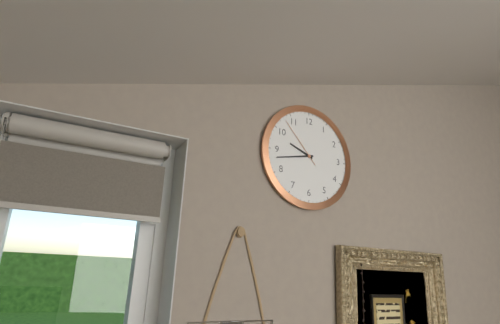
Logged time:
h=9 m=43 s=53
